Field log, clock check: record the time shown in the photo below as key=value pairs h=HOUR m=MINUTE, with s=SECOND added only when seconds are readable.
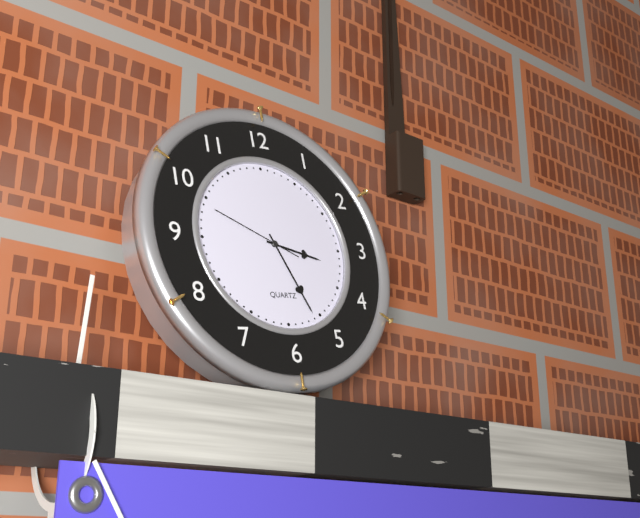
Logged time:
h=3 m=26 s=49
